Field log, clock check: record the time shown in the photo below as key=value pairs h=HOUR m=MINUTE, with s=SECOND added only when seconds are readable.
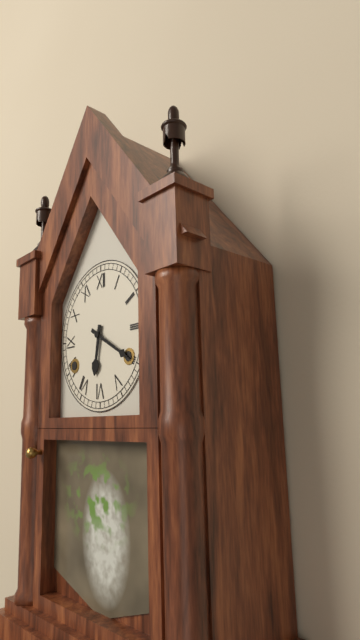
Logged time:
h=6 m=20
